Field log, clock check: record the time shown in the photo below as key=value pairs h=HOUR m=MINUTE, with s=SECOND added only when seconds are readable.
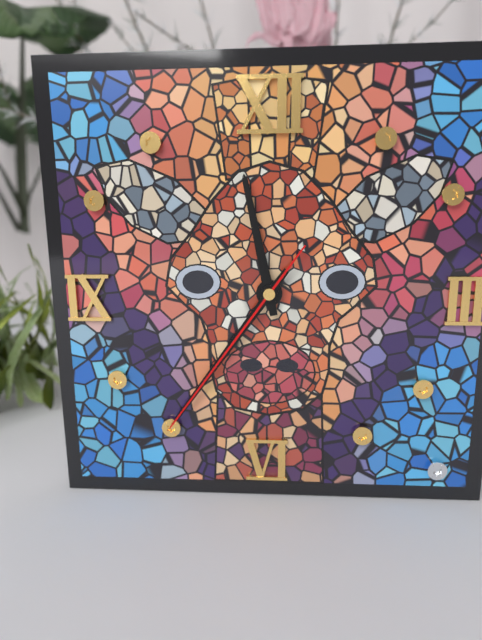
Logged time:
h=11 m=36 s=36
